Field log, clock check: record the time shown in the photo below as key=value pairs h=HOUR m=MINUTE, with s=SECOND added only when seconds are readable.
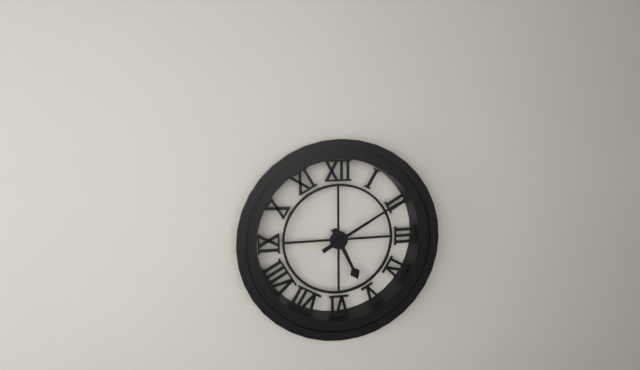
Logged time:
h=5 m=10
